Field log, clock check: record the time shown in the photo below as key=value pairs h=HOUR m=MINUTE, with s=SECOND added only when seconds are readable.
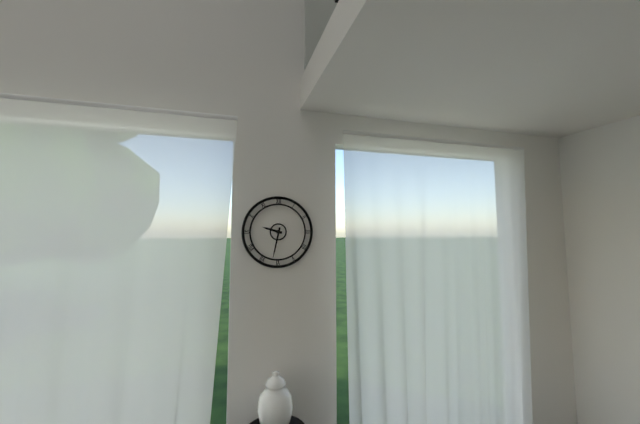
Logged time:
h=9 m=32
